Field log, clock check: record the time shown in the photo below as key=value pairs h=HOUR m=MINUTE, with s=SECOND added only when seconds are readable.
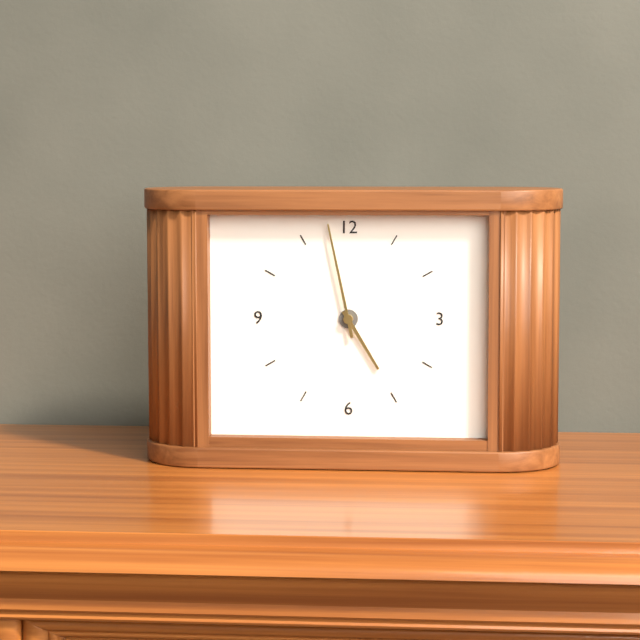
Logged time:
h=4 m=58
